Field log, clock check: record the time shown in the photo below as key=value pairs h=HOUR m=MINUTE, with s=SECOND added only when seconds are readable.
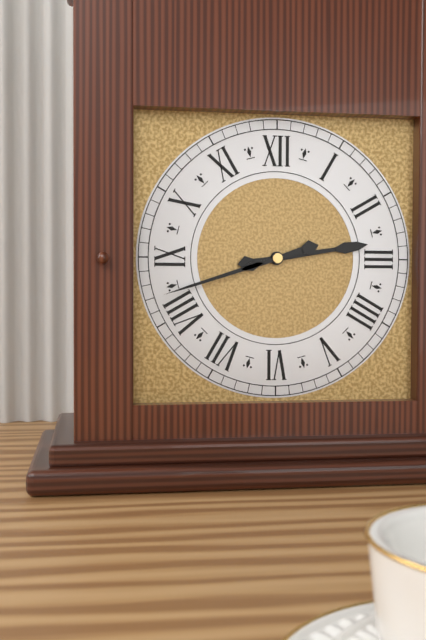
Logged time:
h=2 m=42
